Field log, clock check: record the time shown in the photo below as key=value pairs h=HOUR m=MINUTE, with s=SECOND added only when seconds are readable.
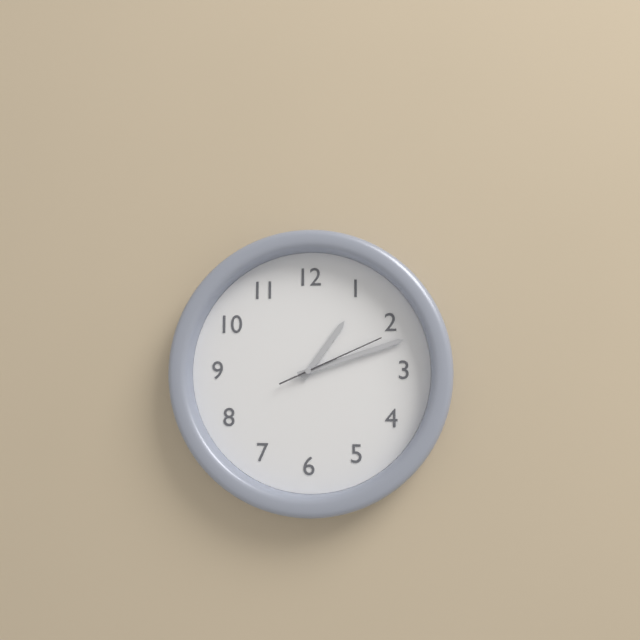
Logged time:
h=1 m=12 s=11
